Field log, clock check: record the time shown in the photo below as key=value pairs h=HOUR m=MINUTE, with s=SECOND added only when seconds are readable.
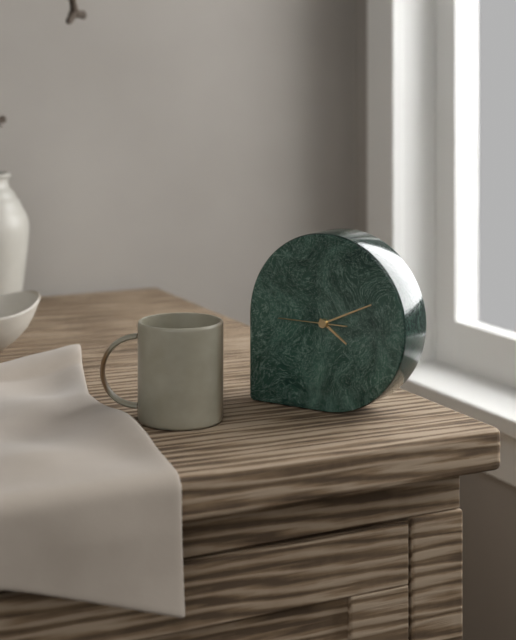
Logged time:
h=4 m=11 s=45
